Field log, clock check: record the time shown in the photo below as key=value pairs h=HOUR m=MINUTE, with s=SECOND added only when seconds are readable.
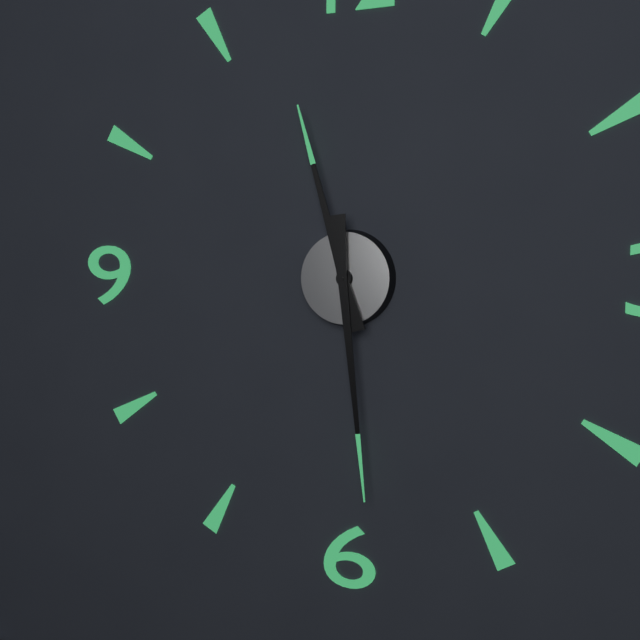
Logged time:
h=11 m=29
